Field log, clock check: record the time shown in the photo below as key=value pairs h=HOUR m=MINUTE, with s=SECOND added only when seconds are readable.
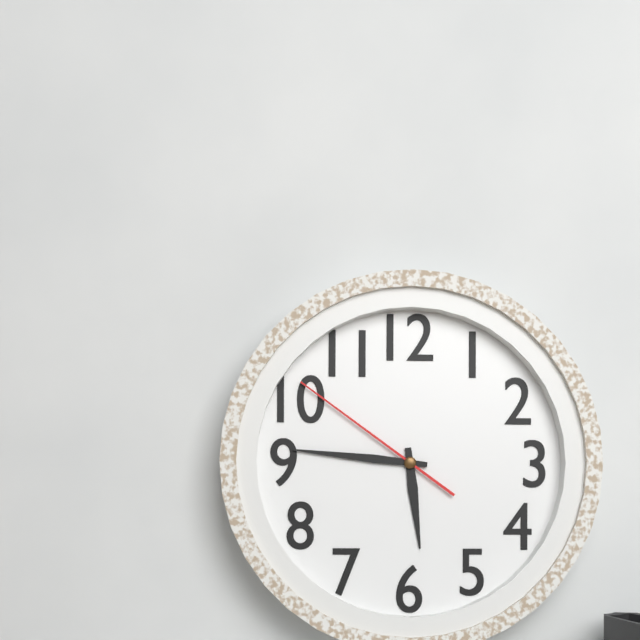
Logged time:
h=5 m=46 s=51
